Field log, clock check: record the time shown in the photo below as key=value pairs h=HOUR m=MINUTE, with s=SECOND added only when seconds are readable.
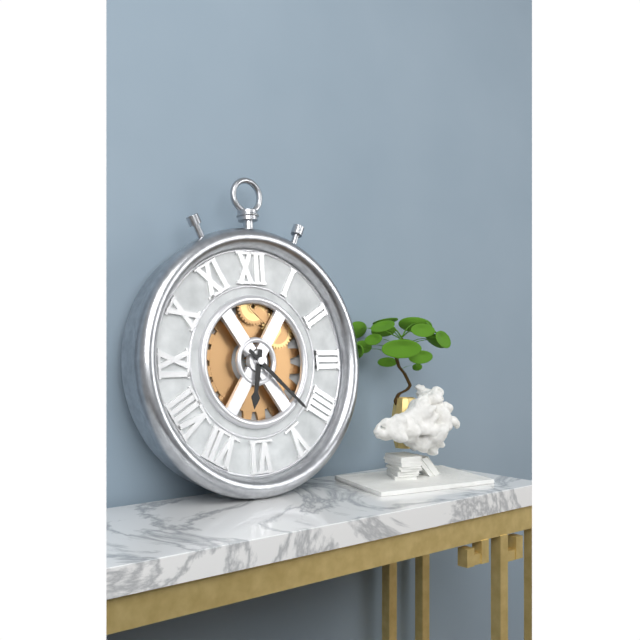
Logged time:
h=6 m=22
